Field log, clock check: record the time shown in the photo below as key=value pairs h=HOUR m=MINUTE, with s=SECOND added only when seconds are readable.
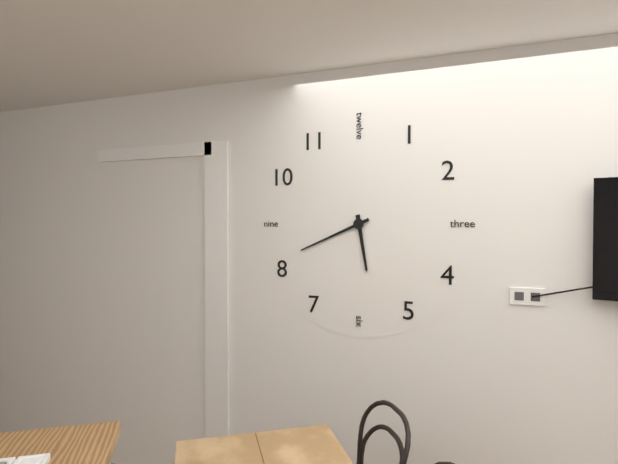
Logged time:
h=5 m=41
